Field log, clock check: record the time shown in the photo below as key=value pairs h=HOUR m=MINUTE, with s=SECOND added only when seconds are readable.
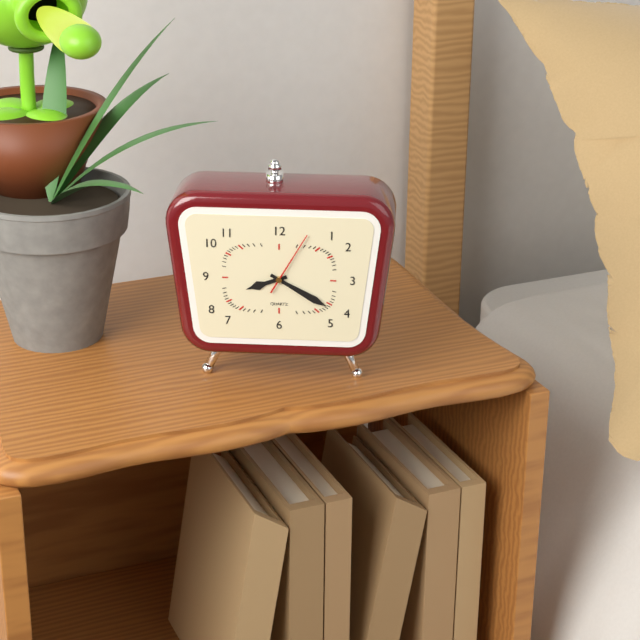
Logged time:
h=8 m=20 s=5
